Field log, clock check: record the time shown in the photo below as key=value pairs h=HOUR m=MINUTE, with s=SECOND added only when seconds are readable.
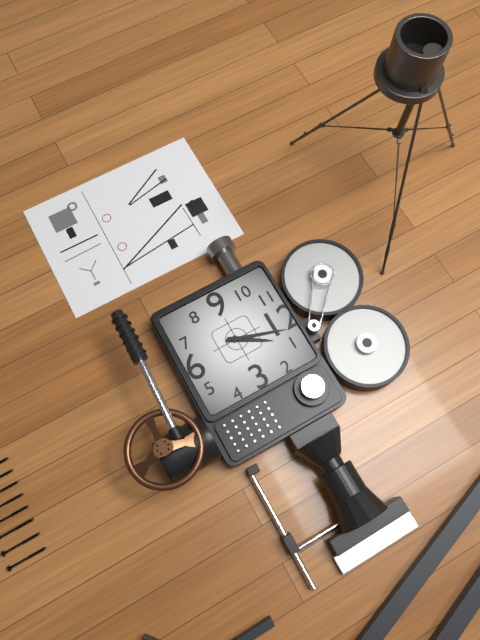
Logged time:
h=1 m=3
